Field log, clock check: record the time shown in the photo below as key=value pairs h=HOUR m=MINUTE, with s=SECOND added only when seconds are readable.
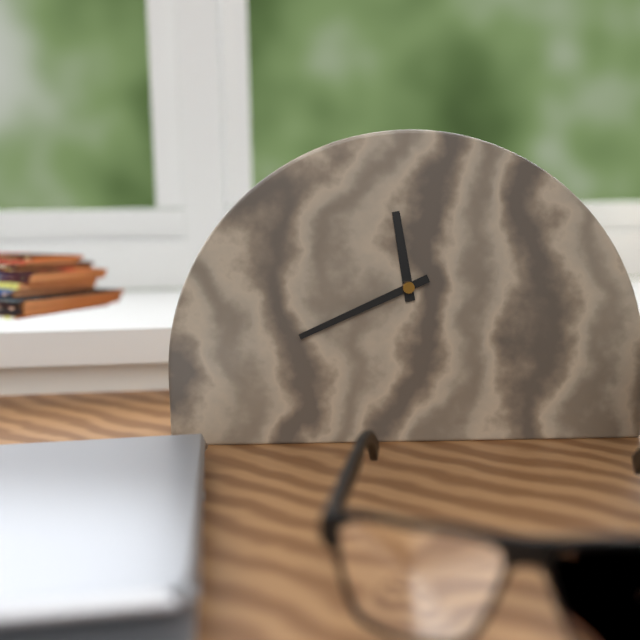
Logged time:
h=11 m=41
